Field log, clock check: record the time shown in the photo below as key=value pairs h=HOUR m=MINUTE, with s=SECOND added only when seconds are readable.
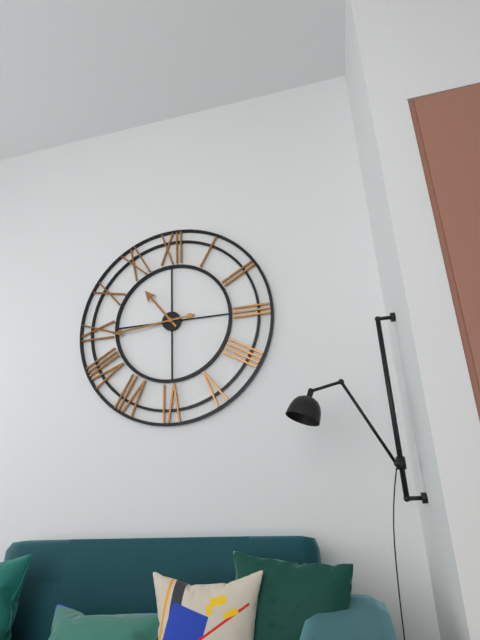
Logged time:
h=10 m=44
